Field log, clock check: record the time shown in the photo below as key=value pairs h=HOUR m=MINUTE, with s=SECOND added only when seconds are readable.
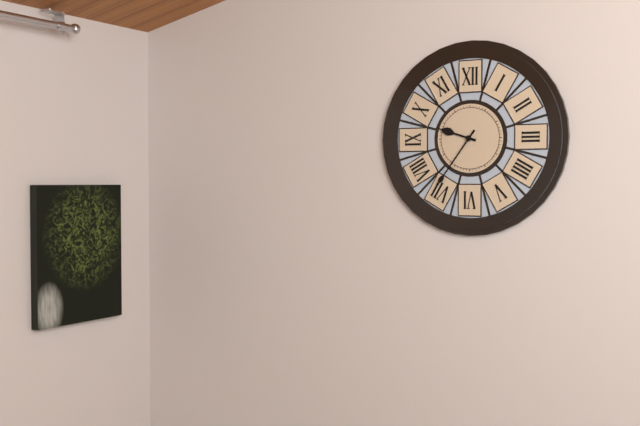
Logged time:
h=9 m=36
